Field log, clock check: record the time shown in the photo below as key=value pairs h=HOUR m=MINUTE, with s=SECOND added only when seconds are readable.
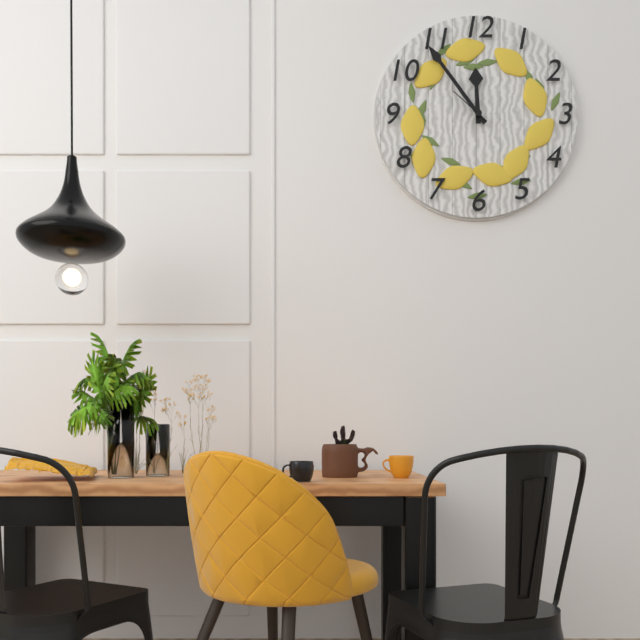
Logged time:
h=11 m=54
